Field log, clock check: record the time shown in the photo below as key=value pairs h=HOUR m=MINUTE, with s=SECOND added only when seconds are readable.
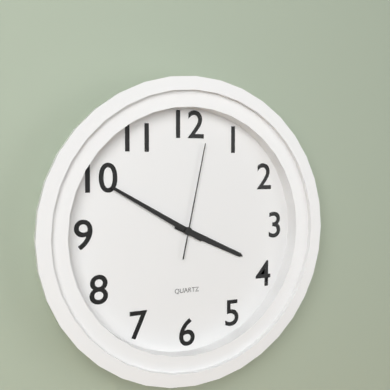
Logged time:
h=3 m=50 s=2
